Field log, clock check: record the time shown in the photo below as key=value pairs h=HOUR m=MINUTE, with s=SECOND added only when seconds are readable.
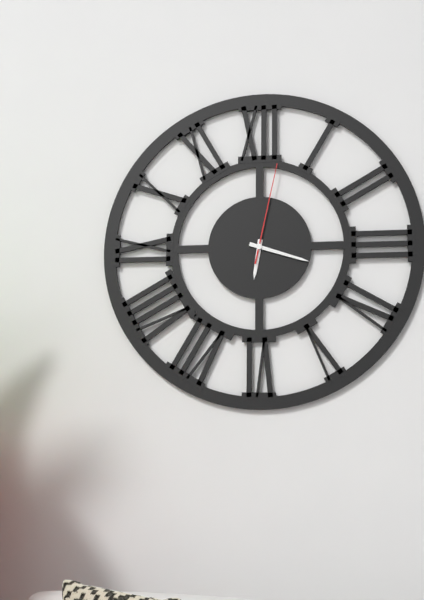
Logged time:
h=6 m=18 s=2
